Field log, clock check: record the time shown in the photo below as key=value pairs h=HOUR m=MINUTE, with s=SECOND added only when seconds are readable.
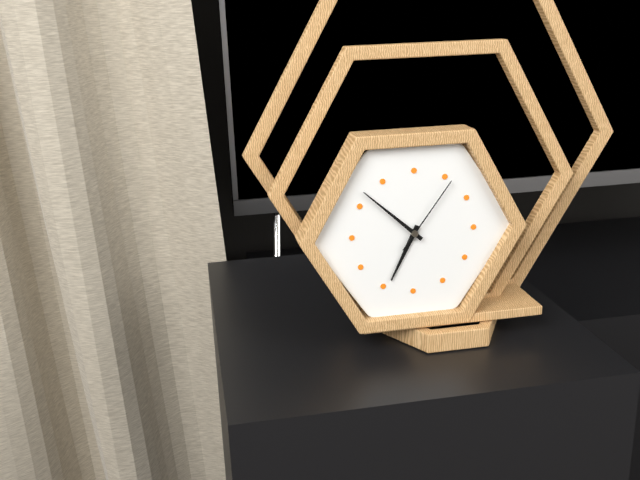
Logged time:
h=6 m=52 s=6
